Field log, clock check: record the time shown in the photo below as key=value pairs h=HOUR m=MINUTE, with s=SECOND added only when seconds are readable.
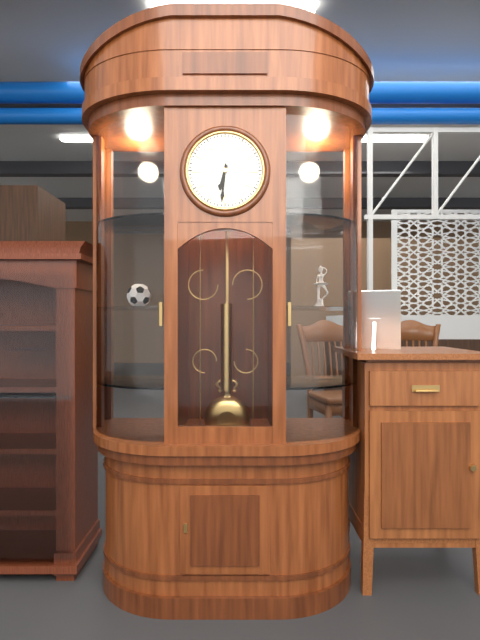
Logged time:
h=6 m=31
